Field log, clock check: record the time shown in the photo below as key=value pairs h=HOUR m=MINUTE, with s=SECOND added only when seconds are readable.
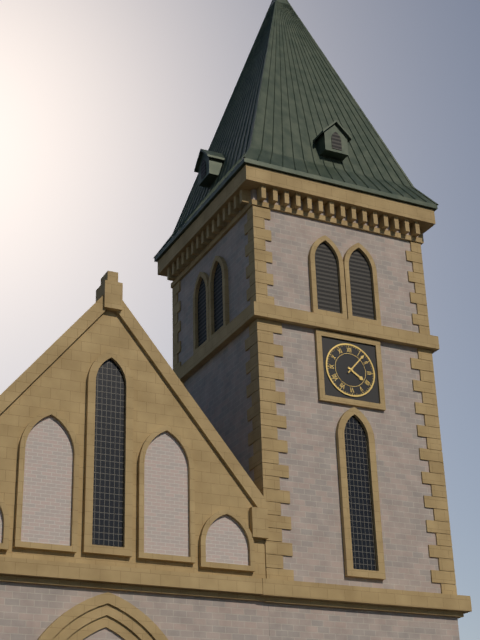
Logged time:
h=4 m=7
